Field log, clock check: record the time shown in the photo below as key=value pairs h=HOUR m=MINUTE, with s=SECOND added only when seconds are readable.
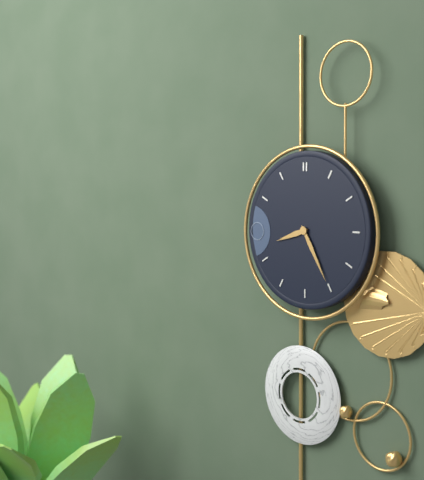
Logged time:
h=8 m=25
